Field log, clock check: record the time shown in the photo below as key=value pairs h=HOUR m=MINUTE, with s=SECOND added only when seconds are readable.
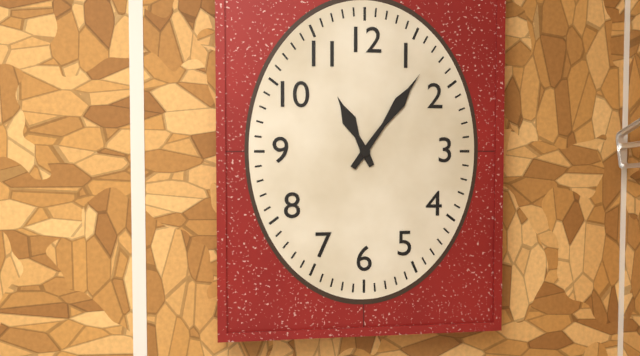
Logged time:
h=11 m=6
